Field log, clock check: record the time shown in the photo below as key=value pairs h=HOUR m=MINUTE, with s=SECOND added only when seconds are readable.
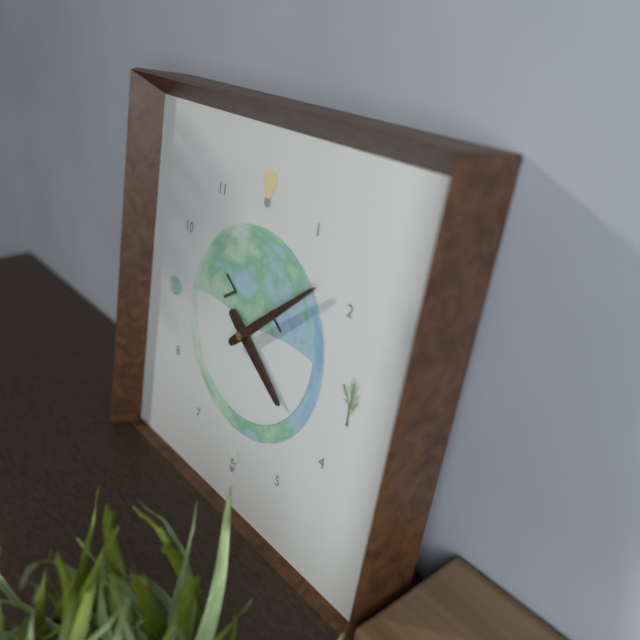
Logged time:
h=4 m=8
